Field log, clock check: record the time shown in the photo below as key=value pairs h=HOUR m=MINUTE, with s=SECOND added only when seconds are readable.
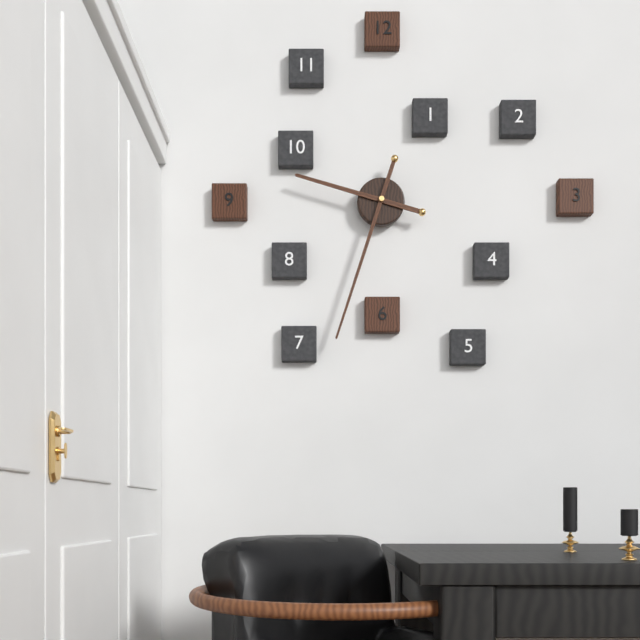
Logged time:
h=9 m=33
